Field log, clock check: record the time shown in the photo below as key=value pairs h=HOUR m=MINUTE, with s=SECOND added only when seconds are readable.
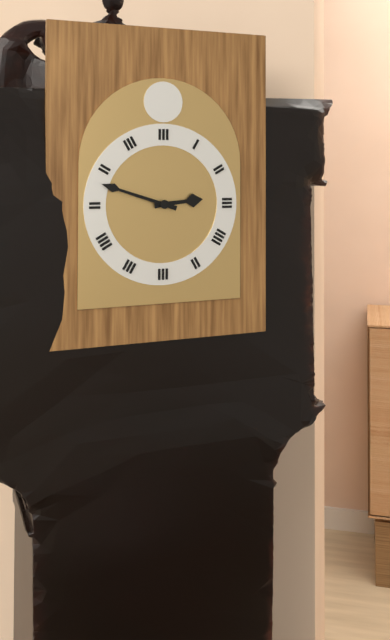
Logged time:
h=2 m=48
